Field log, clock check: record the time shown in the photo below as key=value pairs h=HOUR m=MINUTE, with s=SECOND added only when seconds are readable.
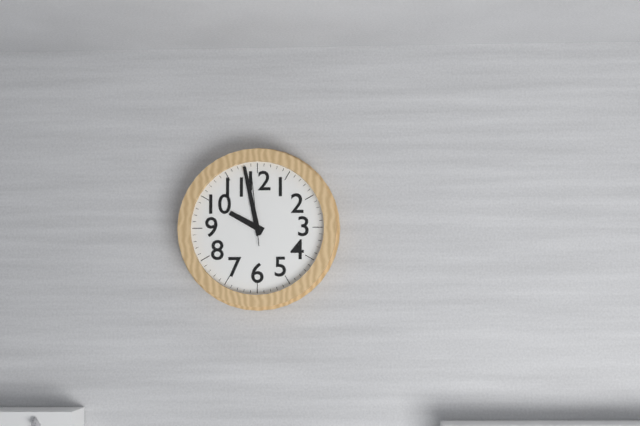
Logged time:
h=9 m=58 s=59
